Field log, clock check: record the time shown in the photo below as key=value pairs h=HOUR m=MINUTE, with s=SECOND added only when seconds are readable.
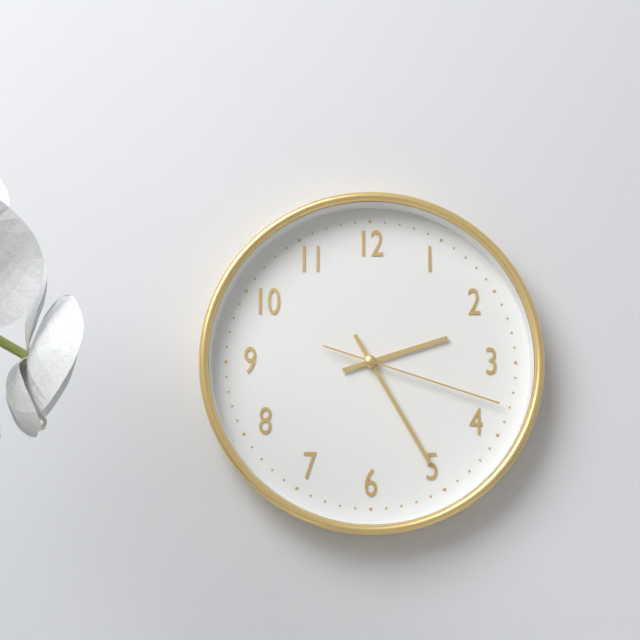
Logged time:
h=2 m=25 s=18
